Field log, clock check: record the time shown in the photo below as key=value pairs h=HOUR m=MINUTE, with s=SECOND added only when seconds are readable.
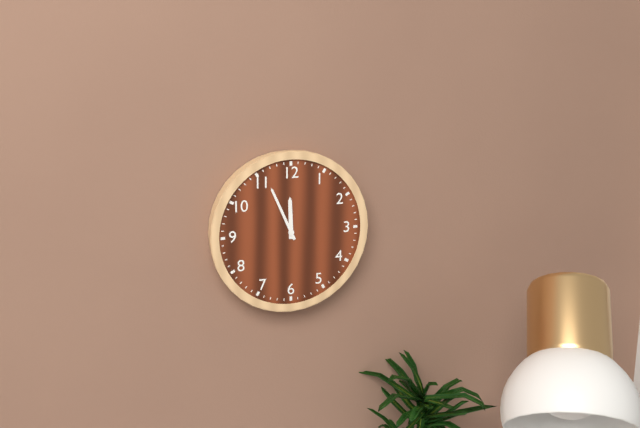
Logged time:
h=11 m=56
